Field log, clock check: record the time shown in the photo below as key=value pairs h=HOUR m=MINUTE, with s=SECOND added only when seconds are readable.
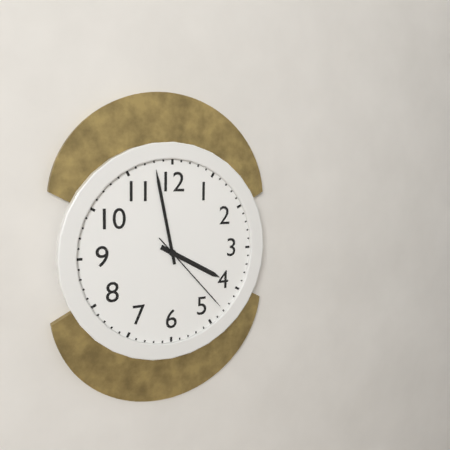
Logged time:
h=3 m=58 s=23
